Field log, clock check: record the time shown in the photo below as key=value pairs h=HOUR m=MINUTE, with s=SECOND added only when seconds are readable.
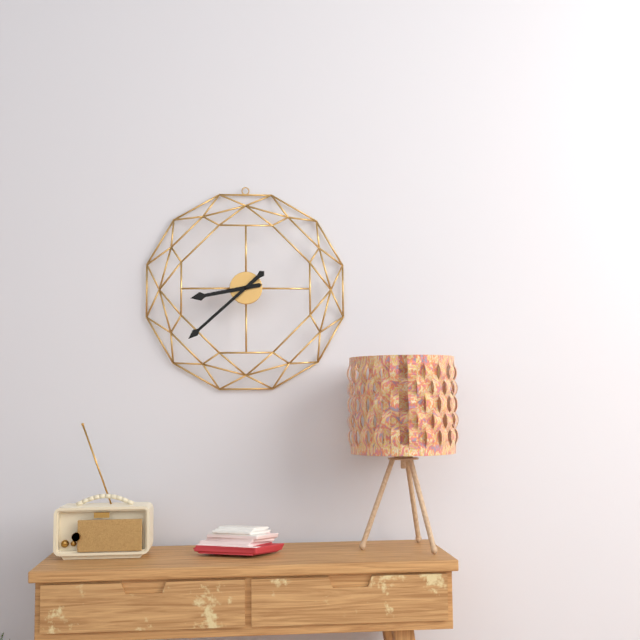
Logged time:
h=8 m=38
